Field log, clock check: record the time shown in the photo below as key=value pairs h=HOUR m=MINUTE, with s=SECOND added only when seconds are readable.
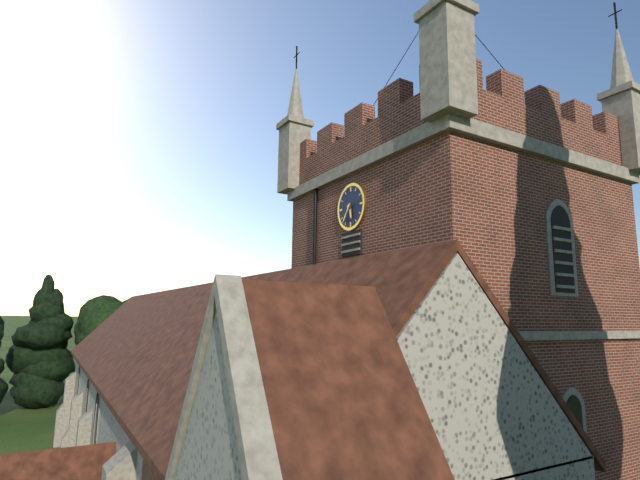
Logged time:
h=5 m=36
